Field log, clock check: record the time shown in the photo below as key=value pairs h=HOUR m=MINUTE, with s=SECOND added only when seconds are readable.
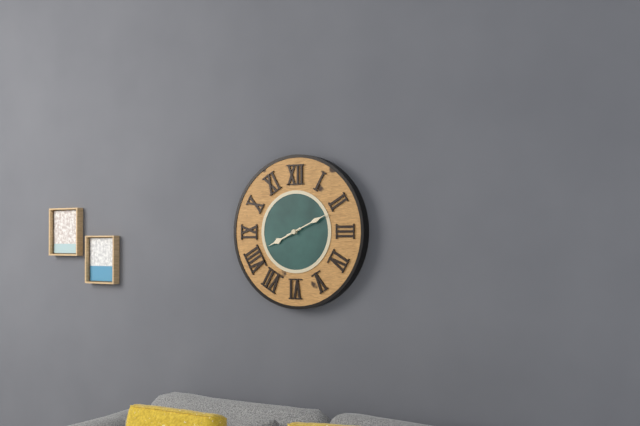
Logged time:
h=8 m=11
